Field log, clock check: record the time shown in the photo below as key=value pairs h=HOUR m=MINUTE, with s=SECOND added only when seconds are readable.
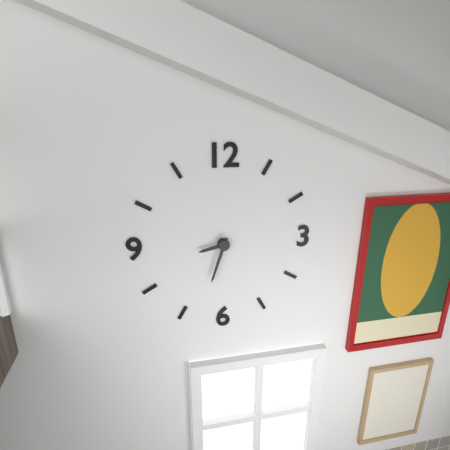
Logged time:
h=8 m=33
